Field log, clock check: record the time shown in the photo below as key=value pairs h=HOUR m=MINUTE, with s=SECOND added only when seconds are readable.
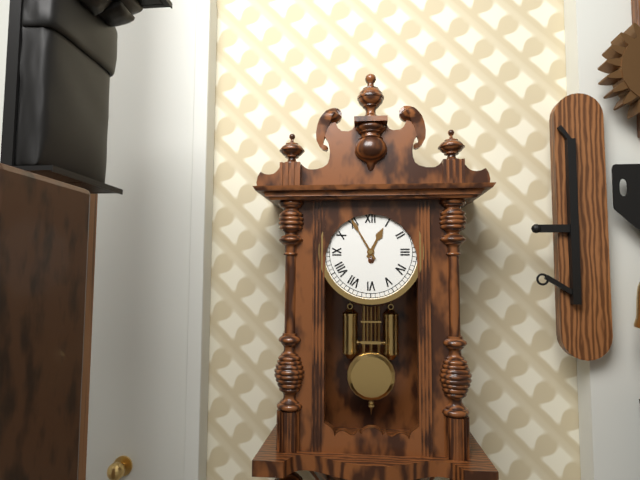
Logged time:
h=12 m=55
